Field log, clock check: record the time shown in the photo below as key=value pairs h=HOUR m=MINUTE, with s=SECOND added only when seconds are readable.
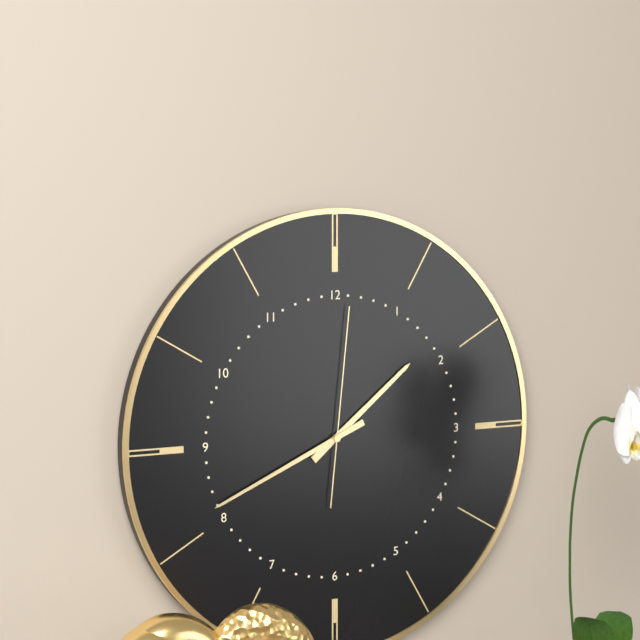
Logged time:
h=1 m=41 s=1
